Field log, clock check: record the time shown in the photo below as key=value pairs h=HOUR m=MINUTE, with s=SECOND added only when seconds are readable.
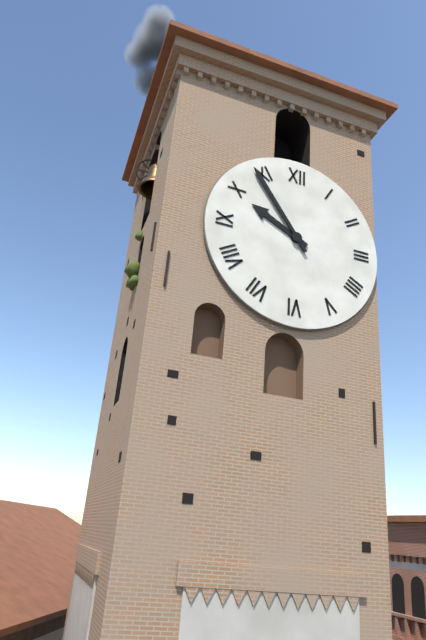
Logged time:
h=9 m=54
